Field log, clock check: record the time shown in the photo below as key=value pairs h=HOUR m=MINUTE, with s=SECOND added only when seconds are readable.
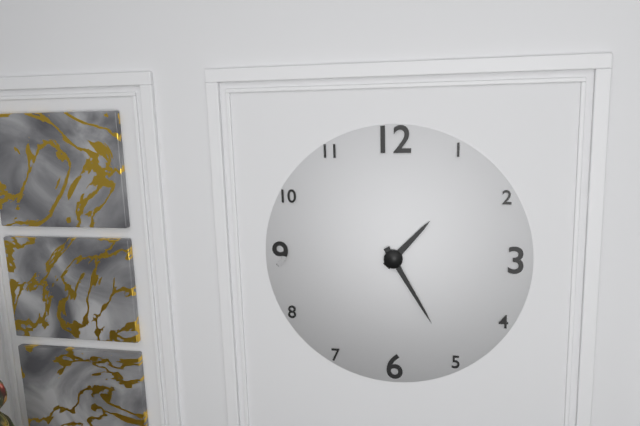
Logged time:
h=1 m=25
